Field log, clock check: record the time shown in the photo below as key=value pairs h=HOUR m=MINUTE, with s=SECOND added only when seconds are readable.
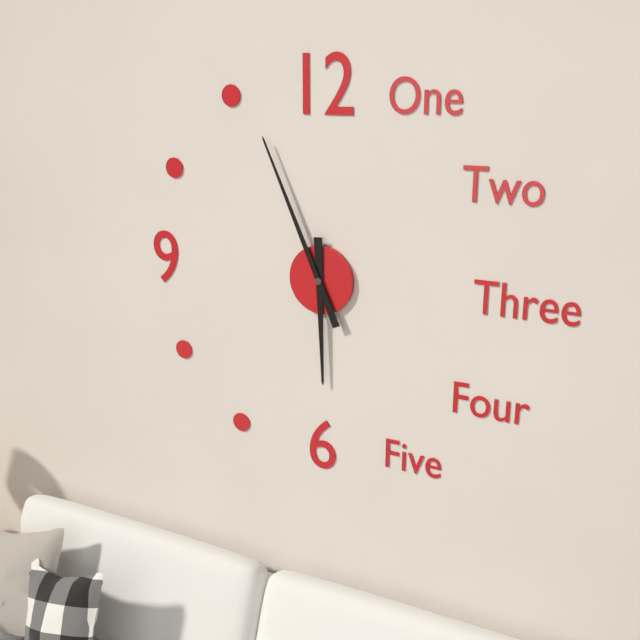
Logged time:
h=5 m=56
